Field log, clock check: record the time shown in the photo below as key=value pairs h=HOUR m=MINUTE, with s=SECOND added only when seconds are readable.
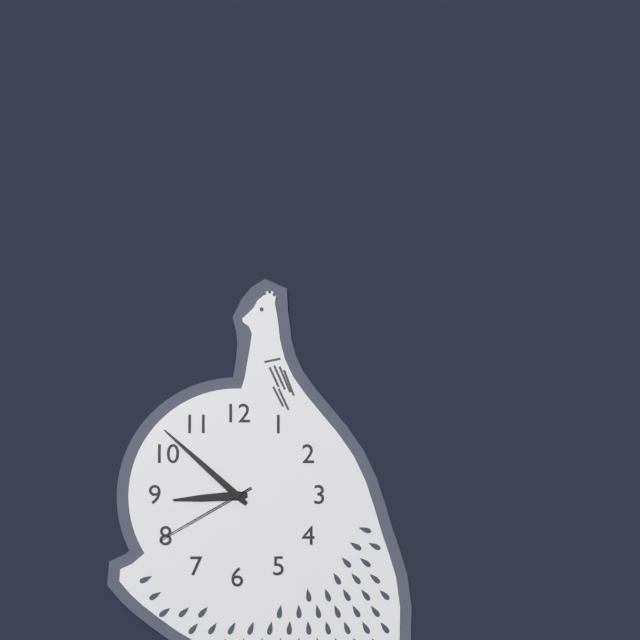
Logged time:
h=8 m=52 s=40
